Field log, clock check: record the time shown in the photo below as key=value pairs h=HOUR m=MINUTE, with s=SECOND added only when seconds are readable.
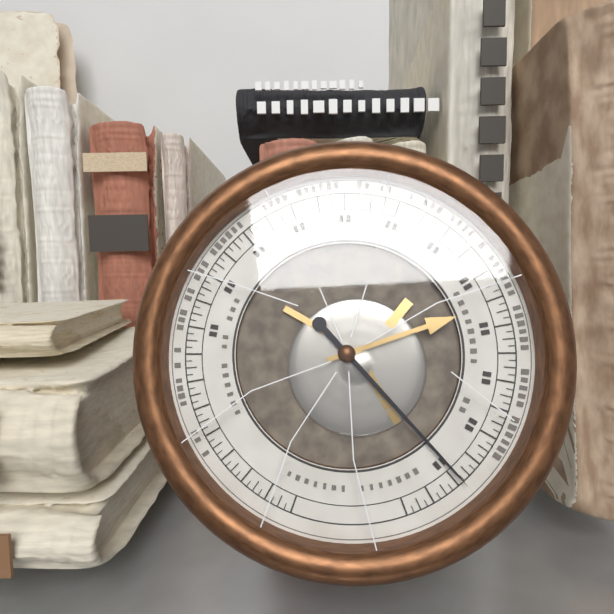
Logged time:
h=2 m=23
